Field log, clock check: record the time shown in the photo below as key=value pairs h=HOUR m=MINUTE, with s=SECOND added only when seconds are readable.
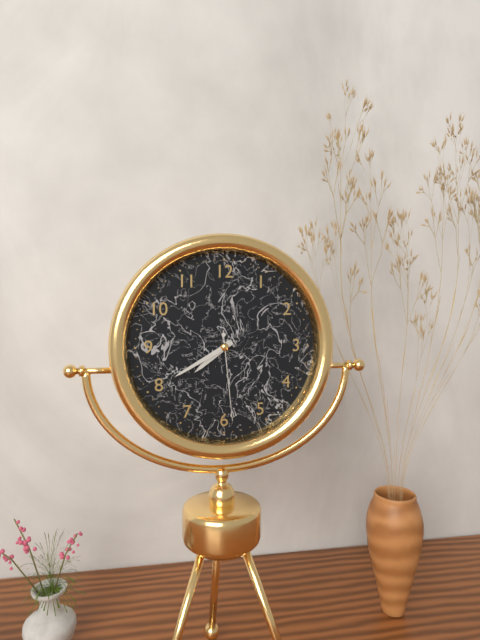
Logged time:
h=7 m=40 s=29
